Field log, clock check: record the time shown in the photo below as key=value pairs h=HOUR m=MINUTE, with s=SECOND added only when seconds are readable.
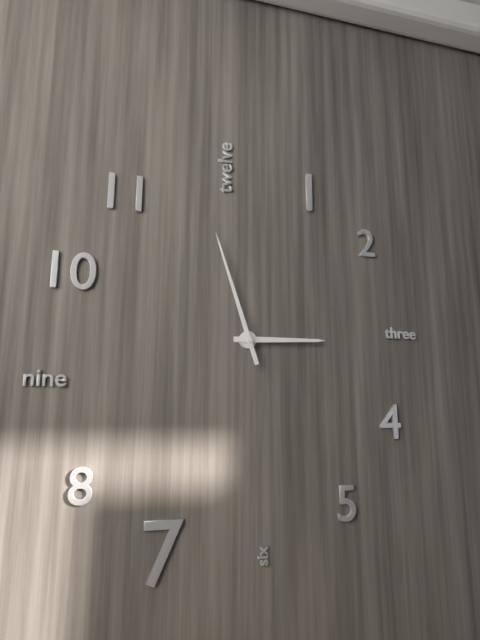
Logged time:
h=2 m=57
